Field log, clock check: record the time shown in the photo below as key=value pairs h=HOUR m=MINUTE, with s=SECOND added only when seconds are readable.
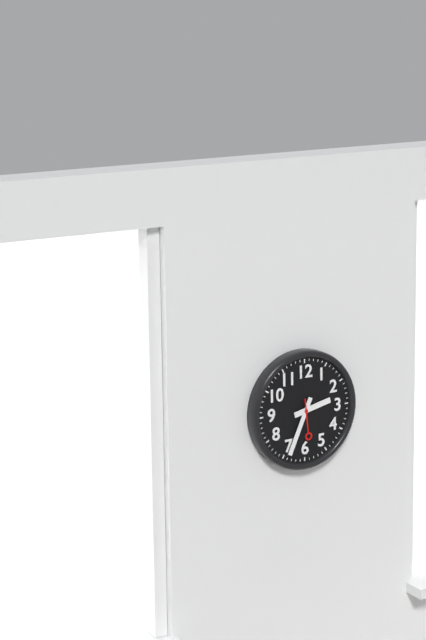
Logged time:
h=2 m=34
